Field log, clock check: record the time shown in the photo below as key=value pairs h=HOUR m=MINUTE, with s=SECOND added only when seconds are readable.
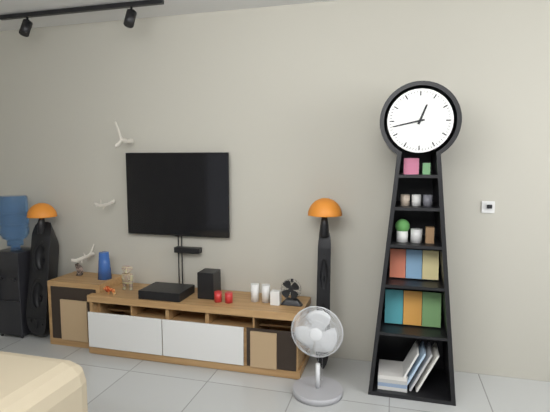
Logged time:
h=12 m=43
